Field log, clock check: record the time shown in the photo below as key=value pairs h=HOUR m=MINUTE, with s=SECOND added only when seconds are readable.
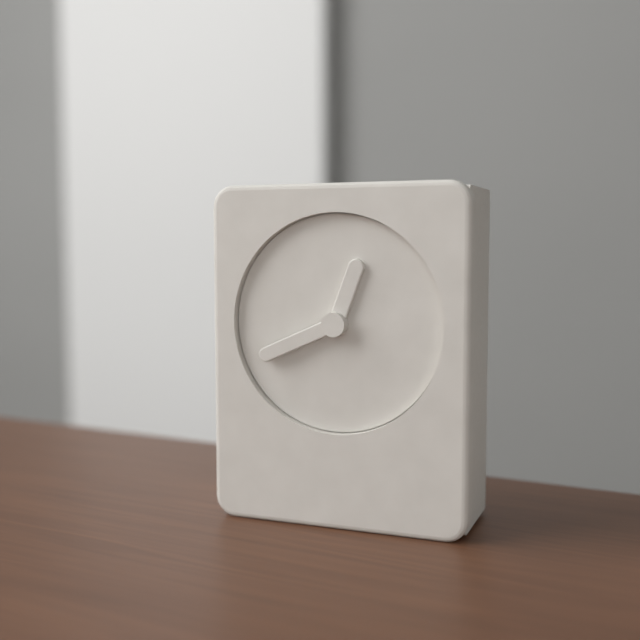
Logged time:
h=12 m=41
